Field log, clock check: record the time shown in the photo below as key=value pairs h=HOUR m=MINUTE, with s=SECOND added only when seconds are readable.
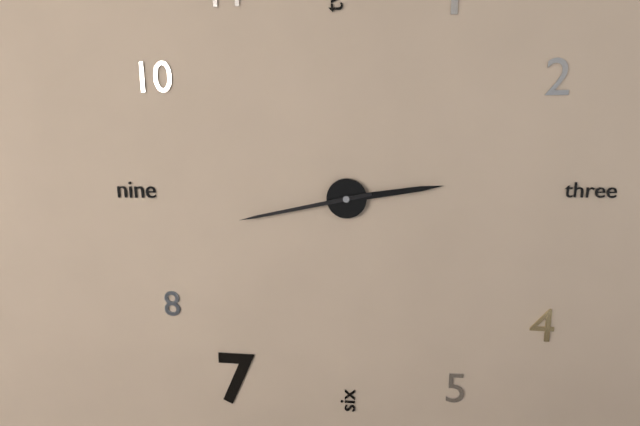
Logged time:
h=2 m=43
